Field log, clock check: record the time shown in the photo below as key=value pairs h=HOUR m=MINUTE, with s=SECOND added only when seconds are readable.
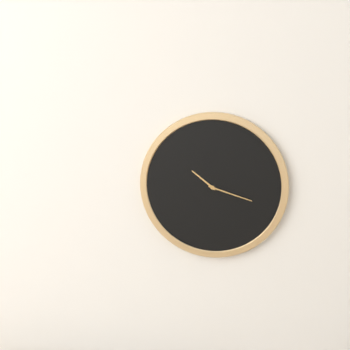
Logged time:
h=10 m=18
